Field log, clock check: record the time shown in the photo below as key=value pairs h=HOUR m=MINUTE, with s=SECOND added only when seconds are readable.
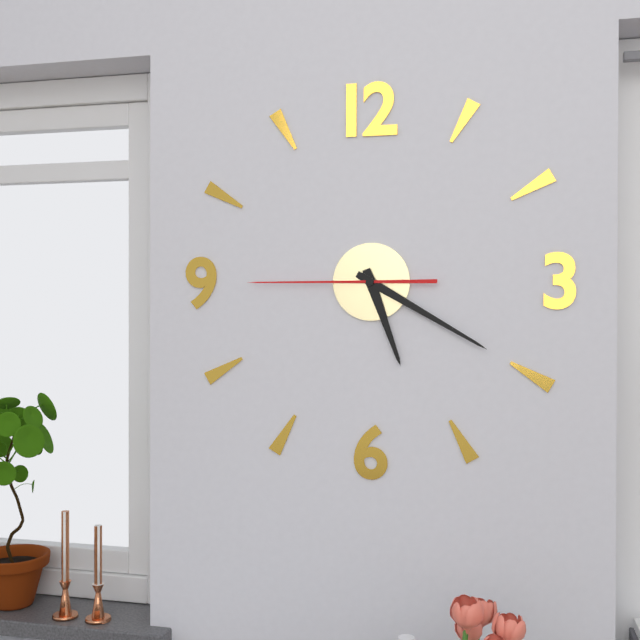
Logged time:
h=5 m=20 s=45
